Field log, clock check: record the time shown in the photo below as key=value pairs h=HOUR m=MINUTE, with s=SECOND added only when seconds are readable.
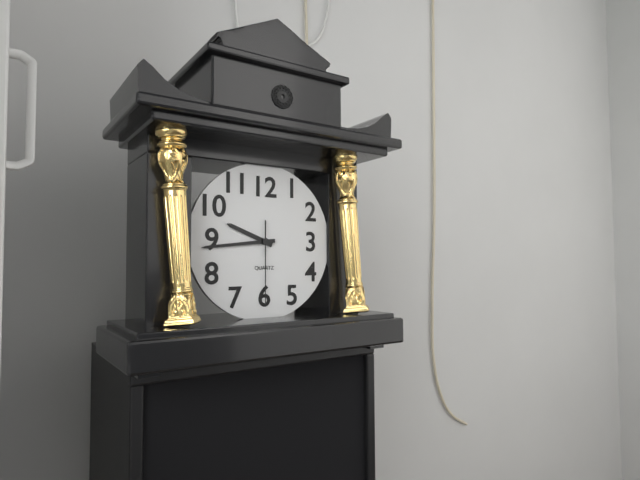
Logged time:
h=9 m=44 s=30
